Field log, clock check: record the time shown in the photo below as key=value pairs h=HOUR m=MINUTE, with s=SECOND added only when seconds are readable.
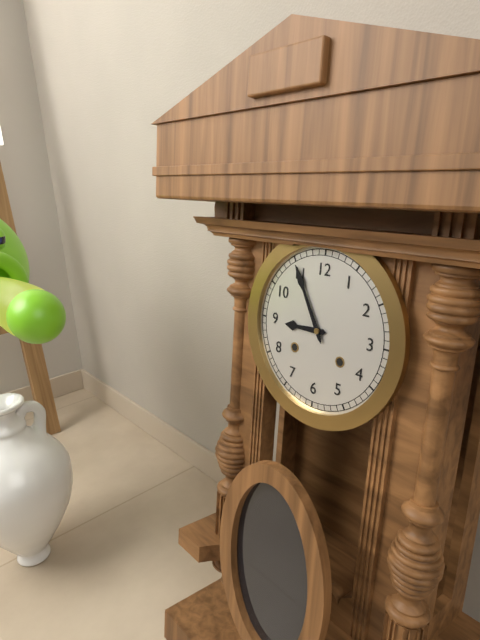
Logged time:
h=8 m=55
